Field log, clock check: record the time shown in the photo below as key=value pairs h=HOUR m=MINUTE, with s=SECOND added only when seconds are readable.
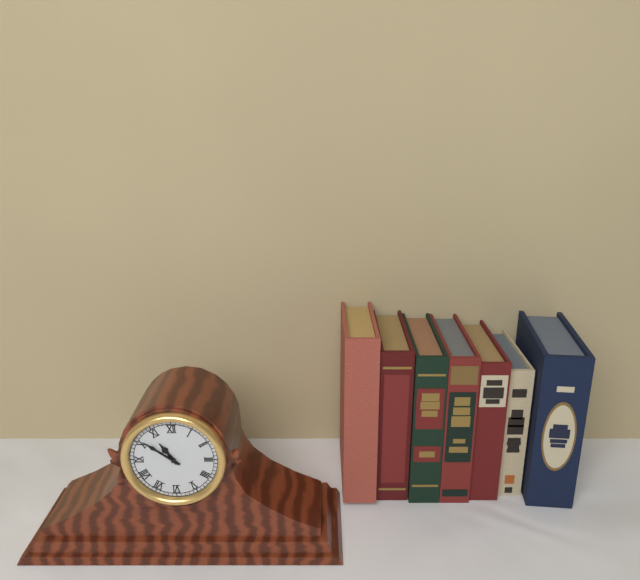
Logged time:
h=10 m=51
